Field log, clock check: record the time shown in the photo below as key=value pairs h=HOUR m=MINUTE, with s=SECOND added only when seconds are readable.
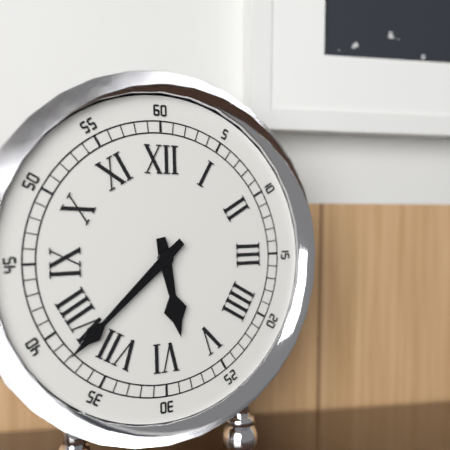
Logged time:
h=5 m=38
